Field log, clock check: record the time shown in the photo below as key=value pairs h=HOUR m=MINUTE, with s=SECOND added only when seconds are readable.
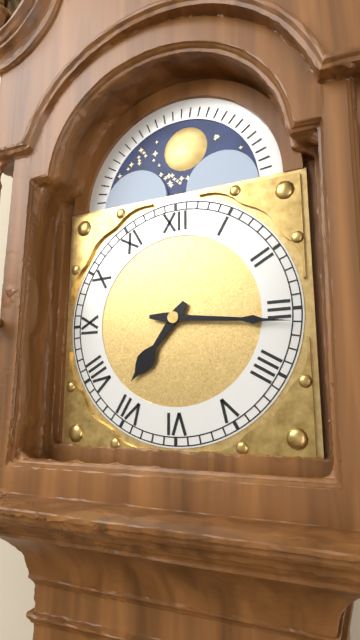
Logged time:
h=7 m=16
